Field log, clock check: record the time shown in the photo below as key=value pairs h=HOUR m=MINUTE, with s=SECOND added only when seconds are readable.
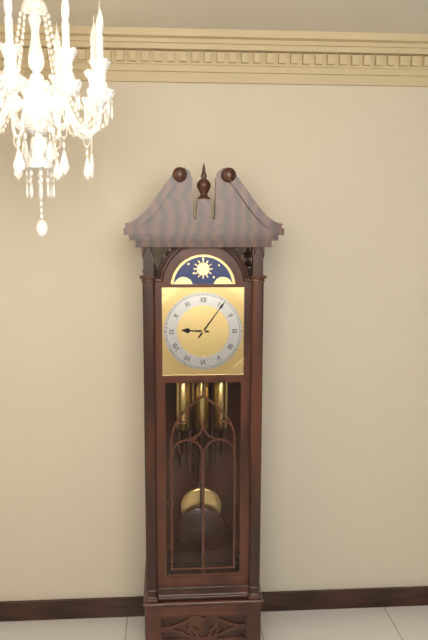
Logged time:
h=9 m=6
